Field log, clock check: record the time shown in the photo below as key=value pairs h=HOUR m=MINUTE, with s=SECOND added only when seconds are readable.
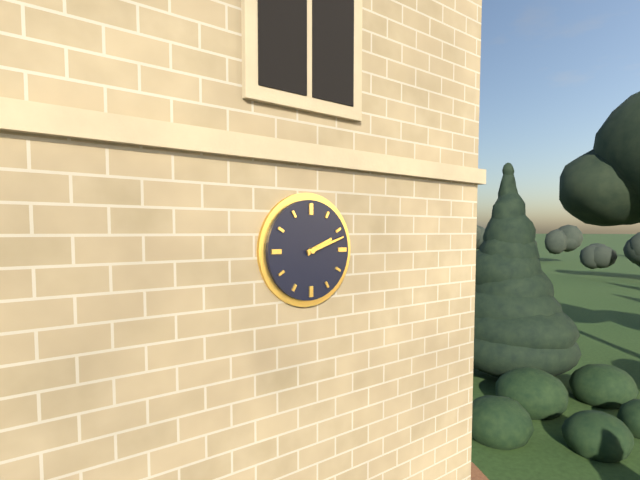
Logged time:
h=2 m=12
